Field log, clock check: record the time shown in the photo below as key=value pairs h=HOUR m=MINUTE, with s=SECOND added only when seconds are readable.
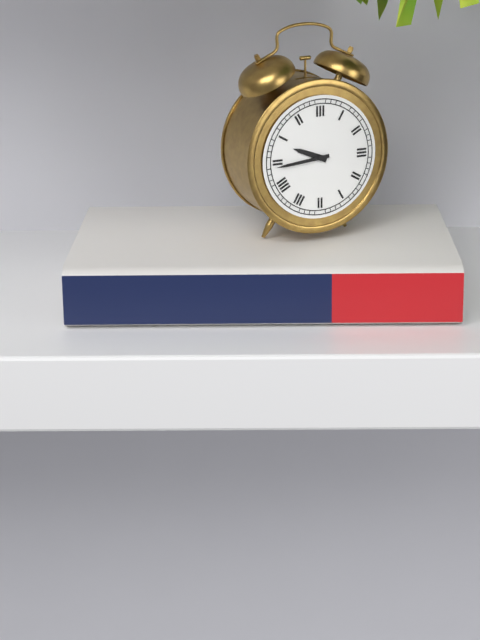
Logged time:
h=9 m=44
